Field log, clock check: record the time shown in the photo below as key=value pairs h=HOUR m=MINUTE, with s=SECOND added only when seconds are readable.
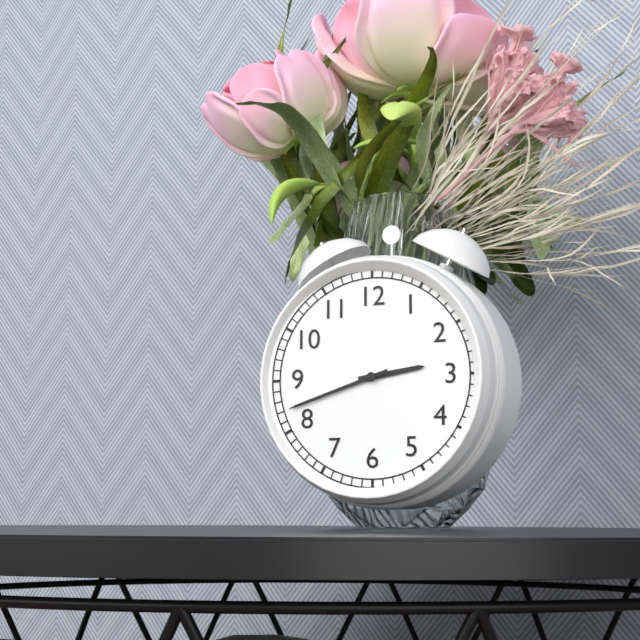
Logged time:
h=2 m=42
